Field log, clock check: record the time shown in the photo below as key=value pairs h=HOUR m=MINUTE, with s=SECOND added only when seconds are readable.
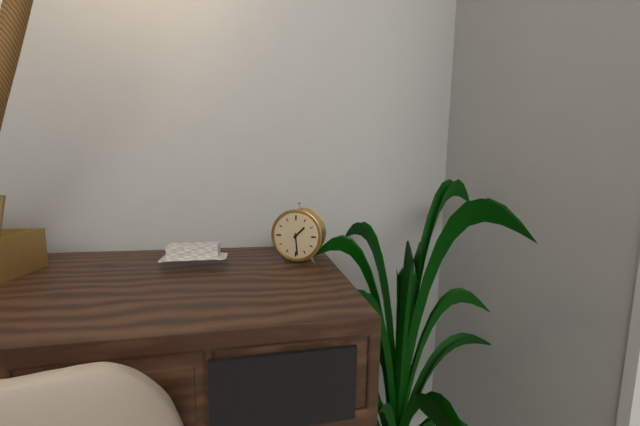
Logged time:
h=1 m=29
